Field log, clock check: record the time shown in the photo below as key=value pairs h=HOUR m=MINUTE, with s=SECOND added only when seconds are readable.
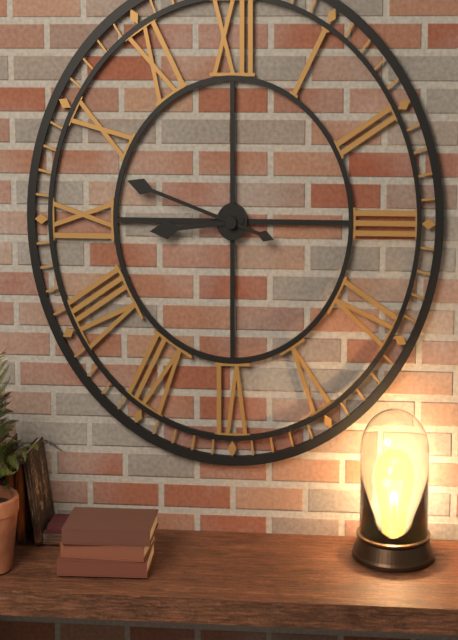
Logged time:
h=8 m=48
